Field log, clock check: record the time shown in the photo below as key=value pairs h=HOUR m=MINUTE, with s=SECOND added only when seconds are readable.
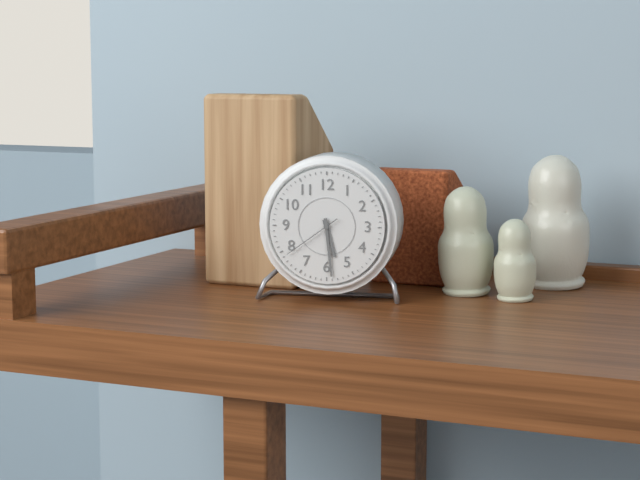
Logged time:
h=5 m=29 s=39
